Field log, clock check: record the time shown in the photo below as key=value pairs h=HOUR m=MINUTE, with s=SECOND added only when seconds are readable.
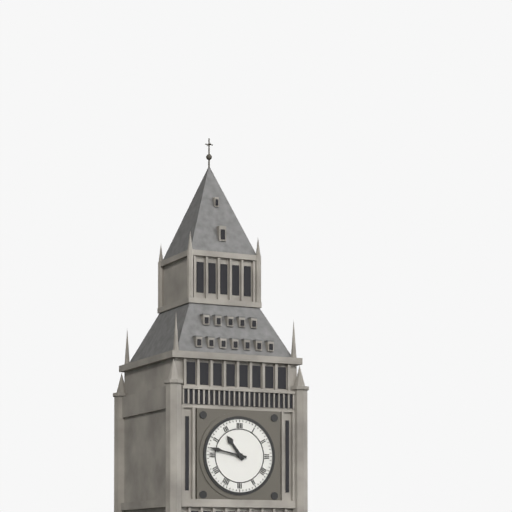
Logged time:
h=10 m=47
